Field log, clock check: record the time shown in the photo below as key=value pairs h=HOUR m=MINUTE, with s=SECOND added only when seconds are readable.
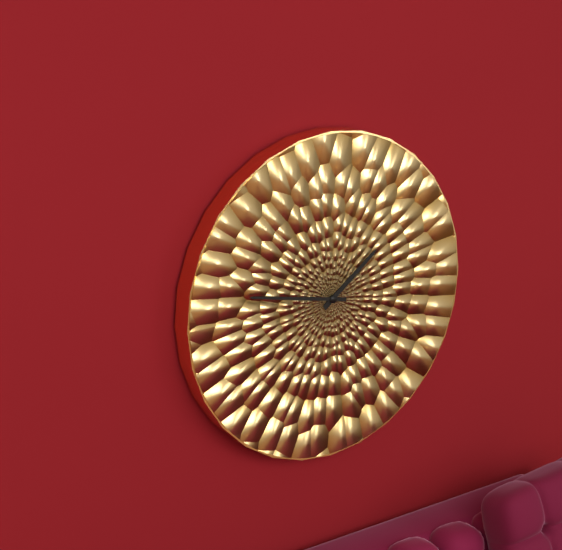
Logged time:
h=1 m=47
